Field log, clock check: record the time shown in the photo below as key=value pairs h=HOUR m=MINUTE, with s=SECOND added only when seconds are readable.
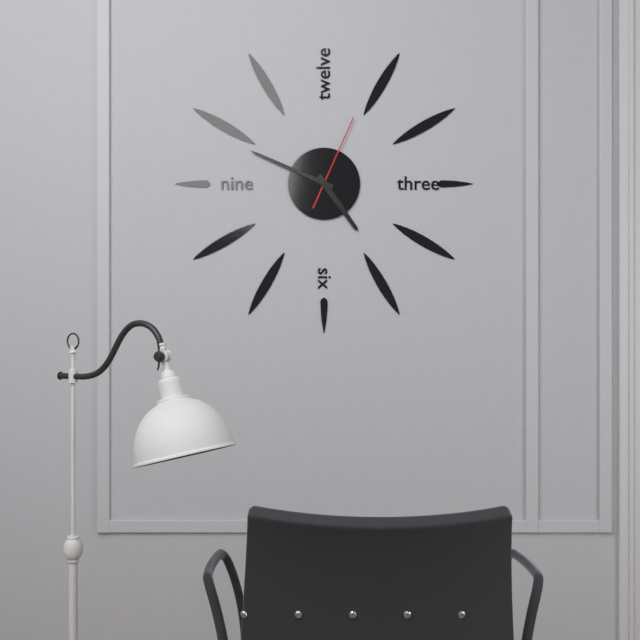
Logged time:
h=4 m=49 s=4
